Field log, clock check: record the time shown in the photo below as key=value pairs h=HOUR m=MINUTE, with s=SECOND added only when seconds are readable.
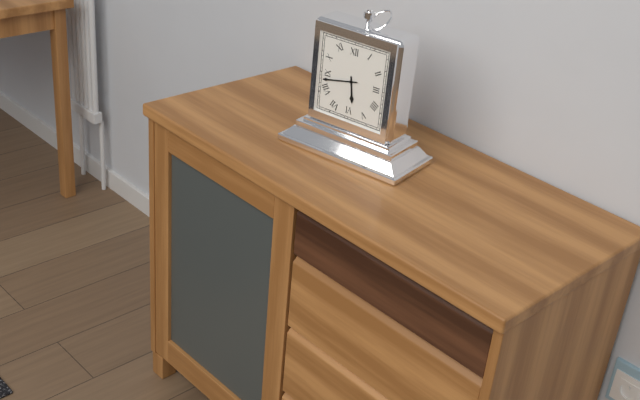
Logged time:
h=5 m=43
